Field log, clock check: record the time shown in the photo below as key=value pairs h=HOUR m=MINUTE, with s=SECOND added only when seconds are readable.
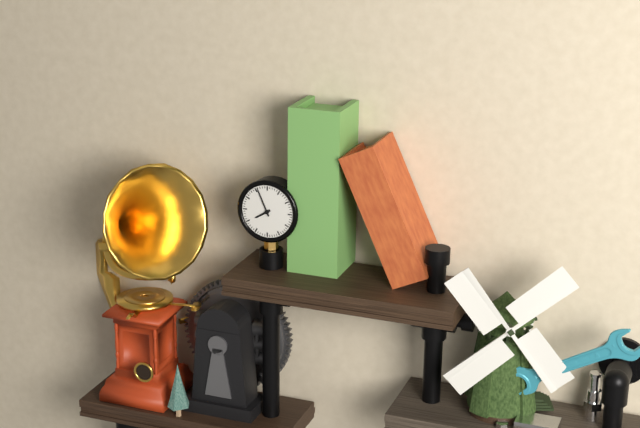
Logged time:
h=7 m=56
